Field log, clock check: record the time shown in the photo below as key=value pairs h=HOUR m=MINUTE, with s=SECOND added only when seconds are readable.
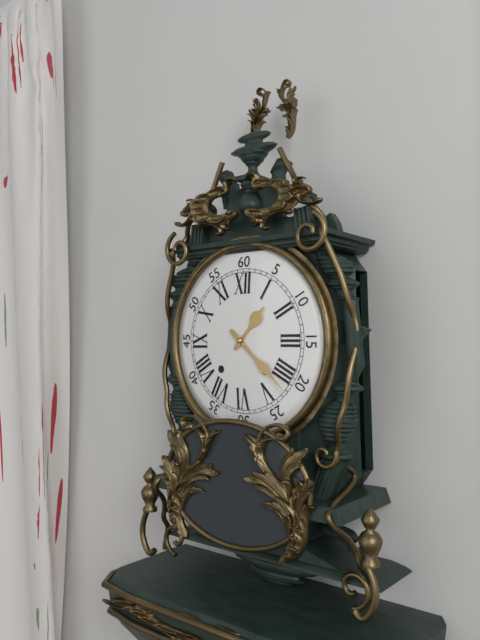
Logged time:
h=1 m=22
